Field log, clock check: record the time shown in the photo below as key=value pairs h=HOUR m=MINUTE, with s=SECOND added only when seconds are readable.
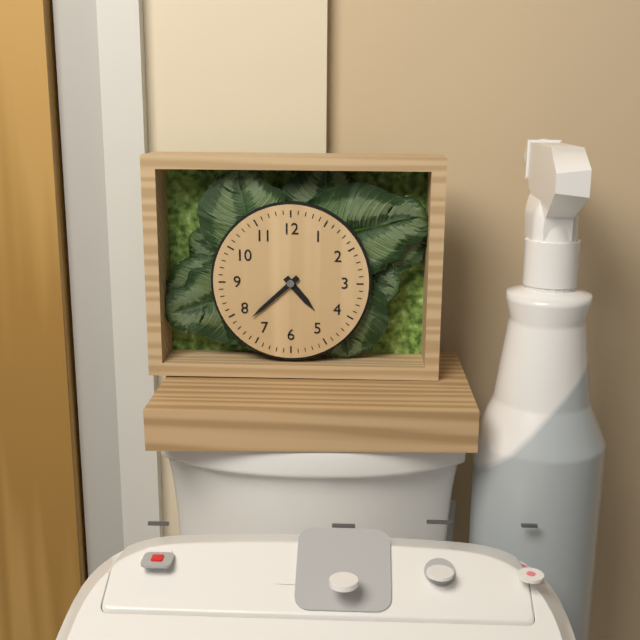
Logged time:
h=4 m=38
